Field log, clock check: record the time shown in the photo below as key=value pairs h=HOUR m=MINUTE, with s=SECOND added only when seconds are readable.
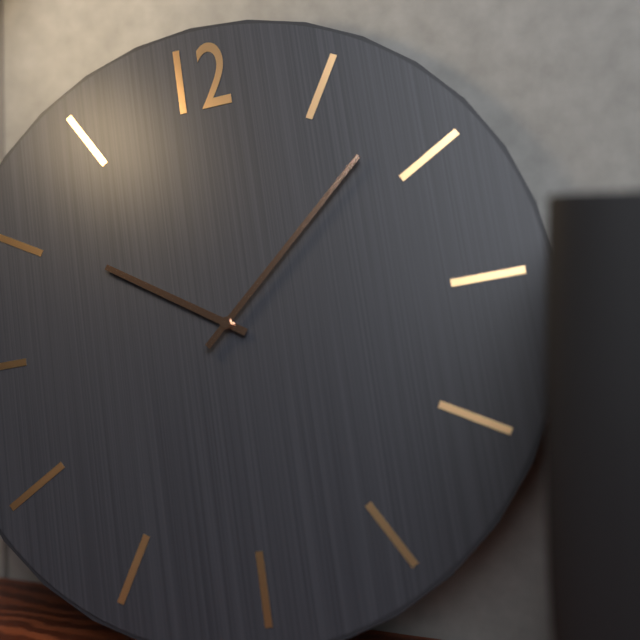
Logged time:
h=10 m=8
